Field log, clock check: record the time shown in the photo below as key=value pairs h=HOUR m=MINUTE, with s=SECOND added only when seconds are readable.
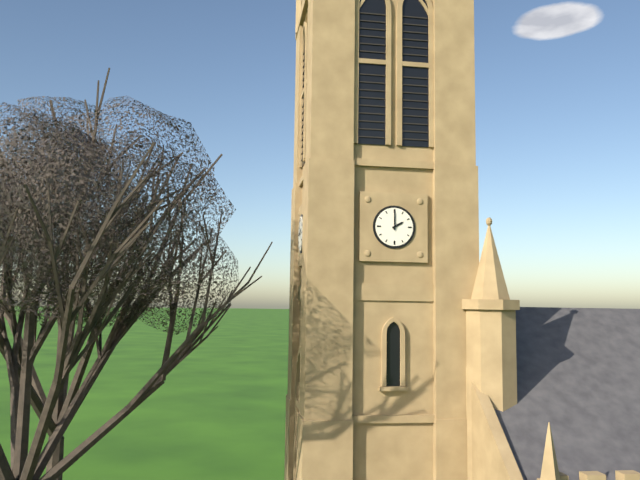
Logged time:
h=2 m=0
